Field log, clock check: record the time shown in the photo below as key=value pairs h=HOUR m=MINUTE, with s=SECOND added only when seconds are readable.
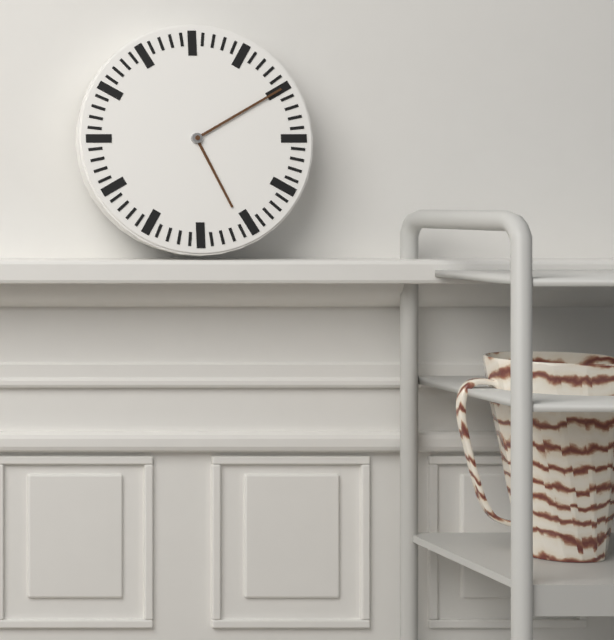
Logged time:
h=5 m=10
